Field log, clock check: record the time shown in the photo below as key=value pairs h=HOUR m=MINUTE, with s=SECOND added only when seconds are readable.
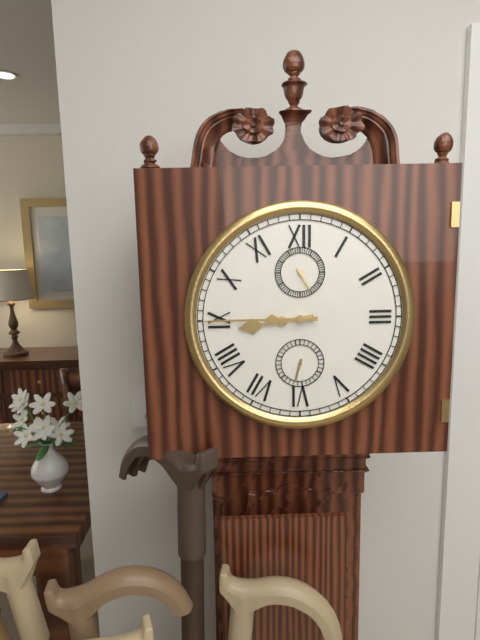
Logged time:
h=8 m=45
